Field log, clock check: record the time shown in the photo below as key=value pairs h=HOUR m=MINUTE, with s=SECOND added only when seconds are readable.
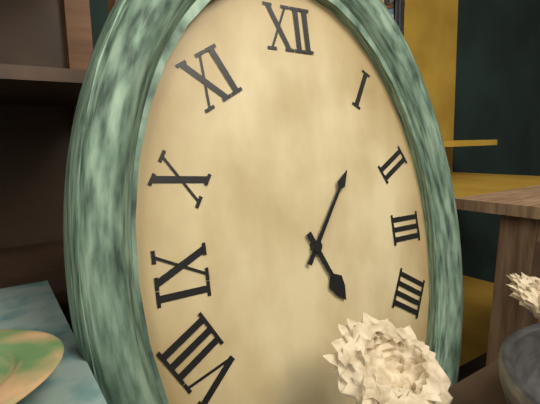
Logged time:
h=5 m=6
